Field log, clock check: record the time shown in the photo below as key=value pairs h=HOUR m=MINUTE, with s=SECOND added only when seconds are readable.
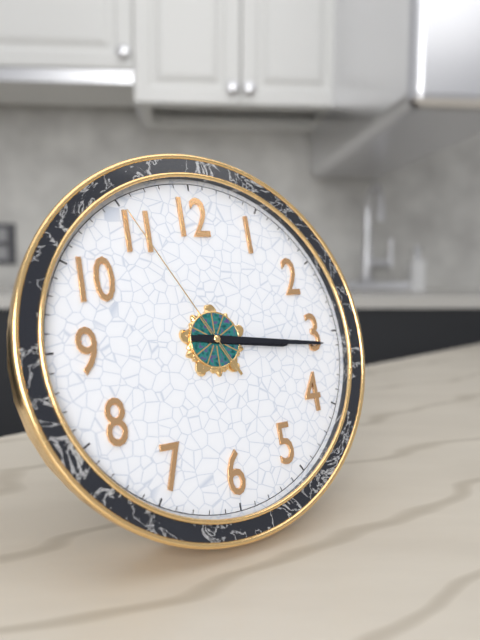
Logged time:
h=3 m=16 s=55
